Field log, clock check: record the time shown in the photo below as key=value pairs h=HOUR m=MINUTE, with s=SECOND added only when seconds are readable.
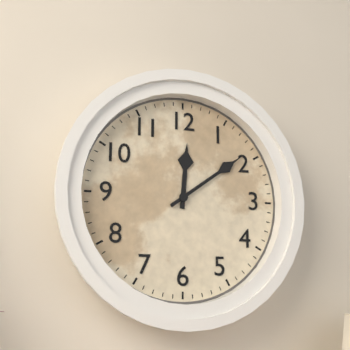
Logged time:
h=12 m=9
